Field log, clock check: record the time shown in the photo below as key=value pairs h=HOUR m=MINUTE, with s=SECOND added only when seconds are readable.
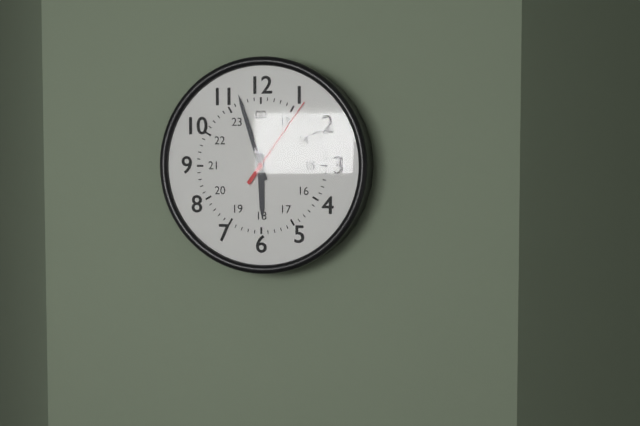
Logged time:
h=5 m=57 s=6
